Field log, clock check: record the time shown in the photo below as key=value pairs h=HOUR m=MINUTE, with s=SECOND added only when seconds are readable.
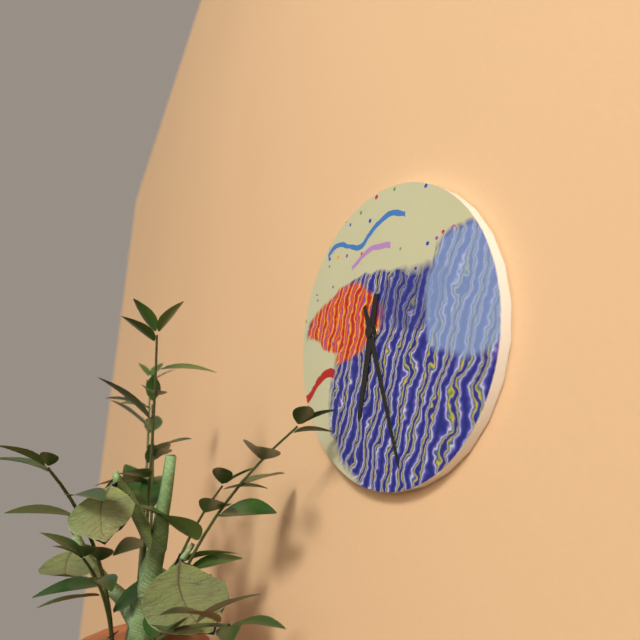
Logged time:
h=6 m=27
